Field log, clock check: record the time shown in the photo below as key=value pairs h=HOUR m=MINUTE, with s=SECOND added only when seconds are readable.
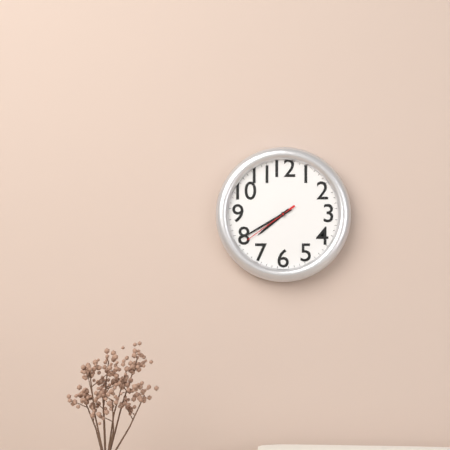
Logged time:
h=7 m=40 s=39
